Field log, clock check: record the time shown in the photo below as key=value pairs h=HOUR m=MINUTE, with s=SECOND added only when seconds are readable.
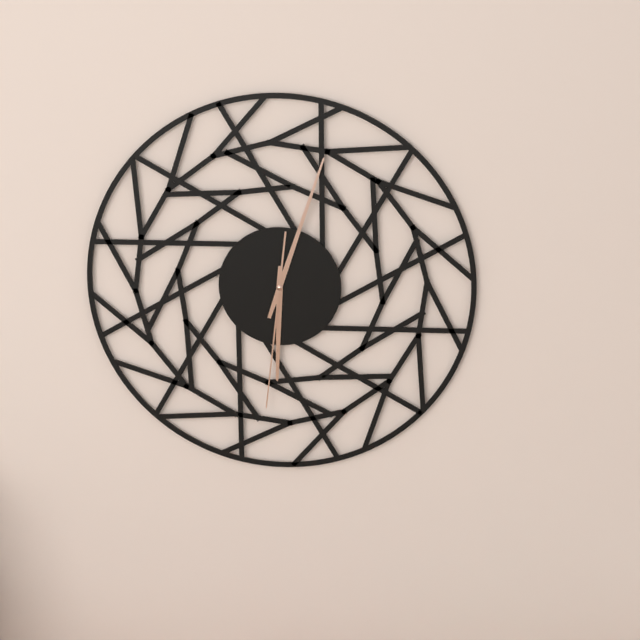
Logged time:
h=6 m=3 s=31
